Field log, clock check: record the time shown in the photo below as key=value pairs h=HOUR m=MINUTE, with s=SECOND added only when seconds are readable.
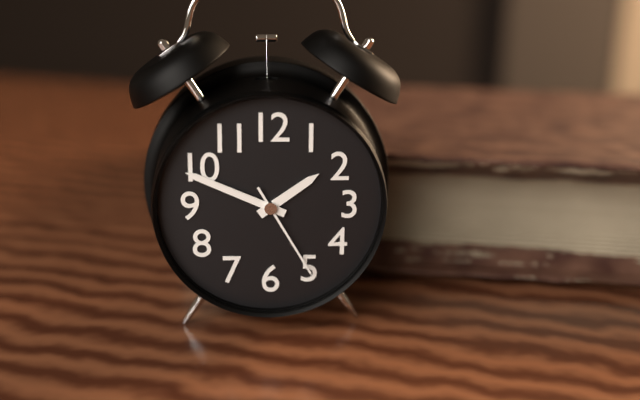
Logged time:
h=1 m=49 s=25
